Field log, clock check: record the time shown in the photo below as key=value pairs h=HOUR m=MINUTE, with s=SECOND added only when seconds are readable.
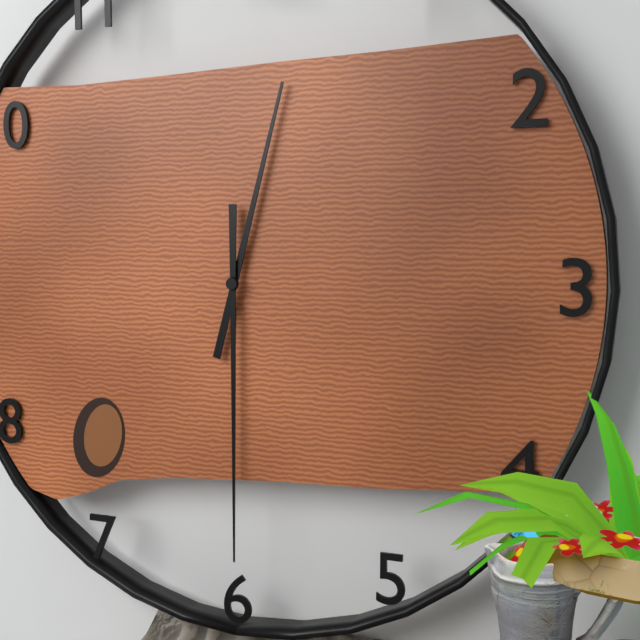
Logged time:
h=12 m=30
